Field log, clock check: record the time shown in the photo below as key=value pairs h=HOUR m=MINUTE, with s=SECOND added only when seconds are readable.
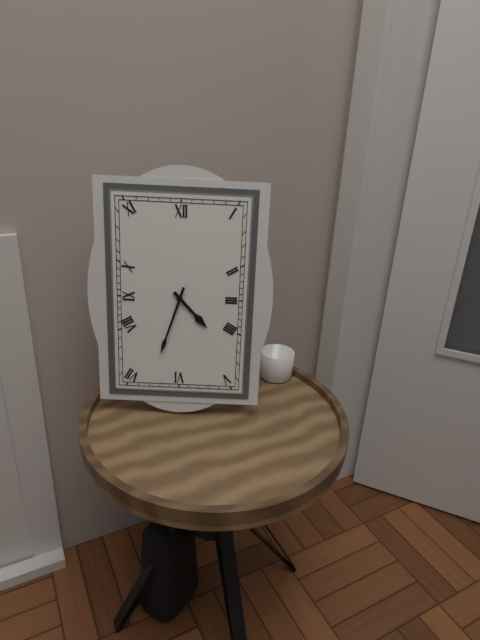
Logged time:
h=4 m=33
